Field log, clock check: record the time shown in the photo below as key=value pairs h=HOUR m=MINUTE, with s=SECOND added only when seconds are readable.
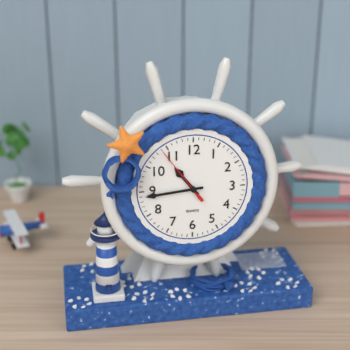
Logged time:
h=10 m=44 s=54
